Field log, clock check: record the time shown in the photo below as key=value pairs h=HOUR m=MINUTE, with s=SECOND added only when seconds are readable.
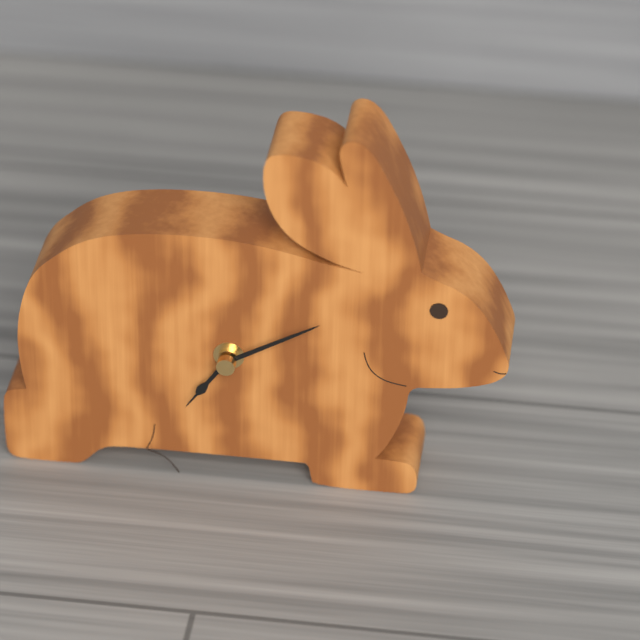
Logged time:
h=7 m=10
